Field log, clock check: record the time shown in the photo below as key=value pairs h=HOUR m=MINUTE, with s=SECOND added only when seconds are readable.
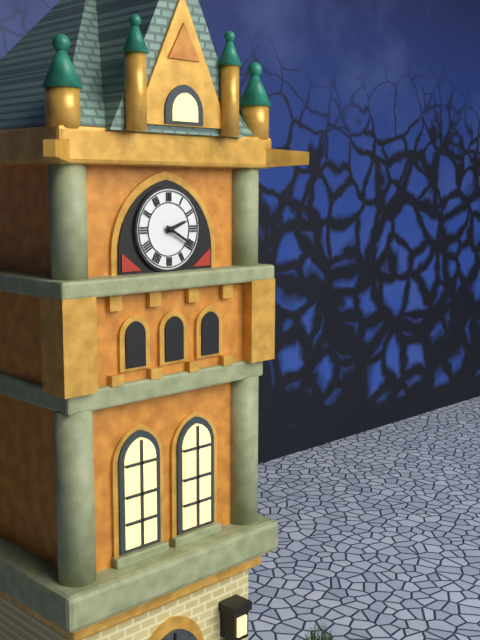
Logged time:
h=2 m=20
